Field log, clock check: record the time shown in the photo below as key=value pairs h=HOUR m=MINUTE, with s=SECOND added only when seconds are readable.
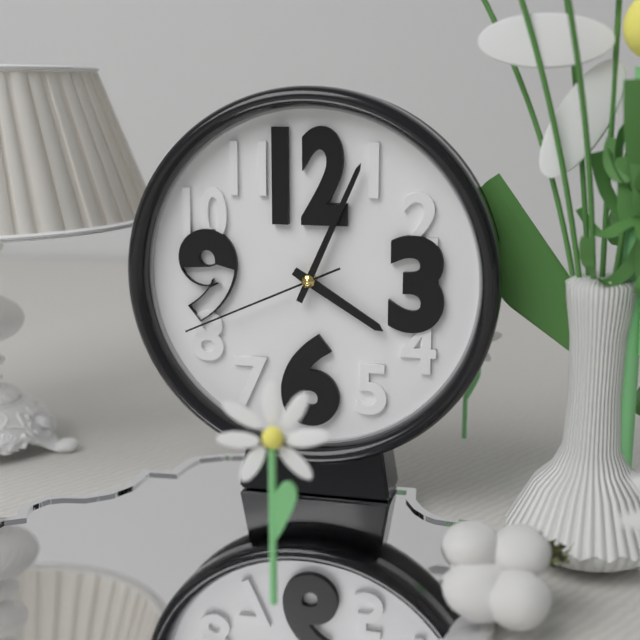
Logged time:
h=4 m=4 s=41
